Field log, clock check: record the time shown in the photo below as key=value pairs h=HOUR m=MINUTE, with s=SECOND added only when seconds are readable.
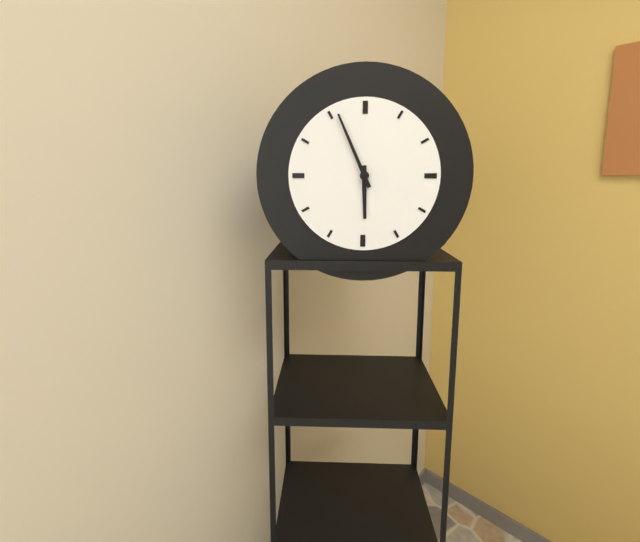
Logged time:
h=5 m=56
